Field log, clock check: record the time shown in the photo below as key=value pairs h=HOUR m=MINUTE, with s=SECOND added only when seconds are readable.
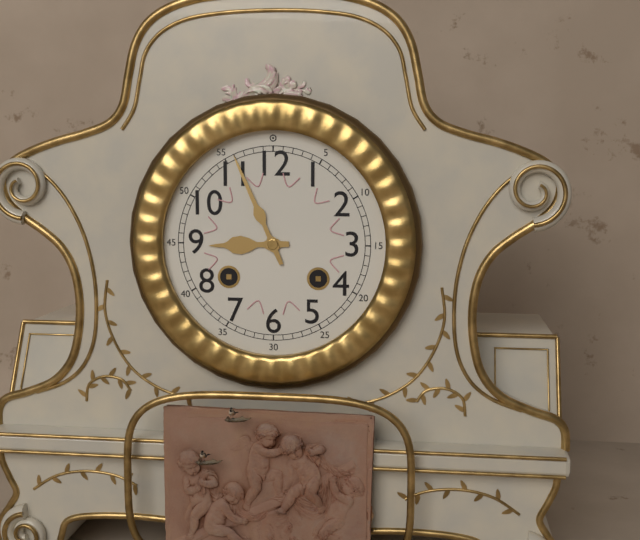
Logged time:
h=8 m=56
